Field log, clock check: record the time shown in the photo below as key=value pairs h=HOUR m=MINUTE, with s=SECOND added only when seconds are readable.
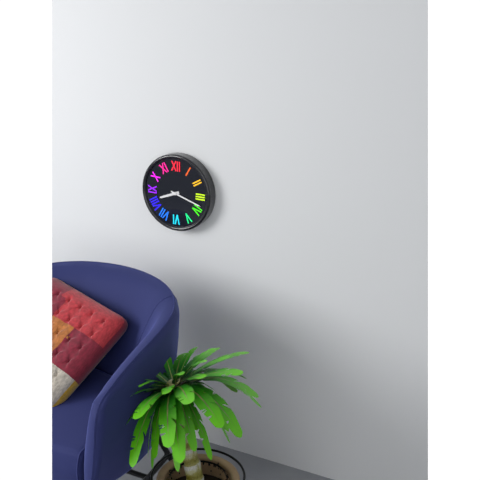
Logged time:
h=8 m=18
